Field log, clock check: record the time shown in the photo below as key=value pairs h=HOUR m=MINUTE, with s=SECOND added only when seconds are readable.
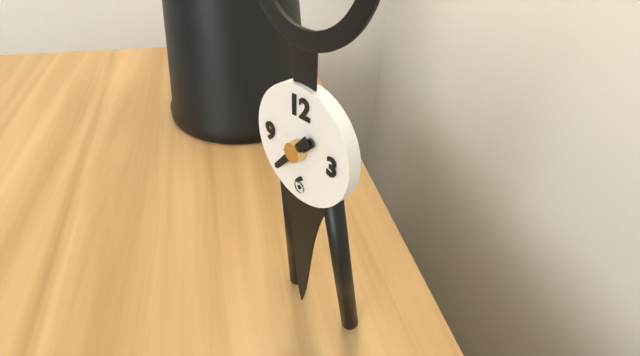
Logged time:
h=1 m=37
